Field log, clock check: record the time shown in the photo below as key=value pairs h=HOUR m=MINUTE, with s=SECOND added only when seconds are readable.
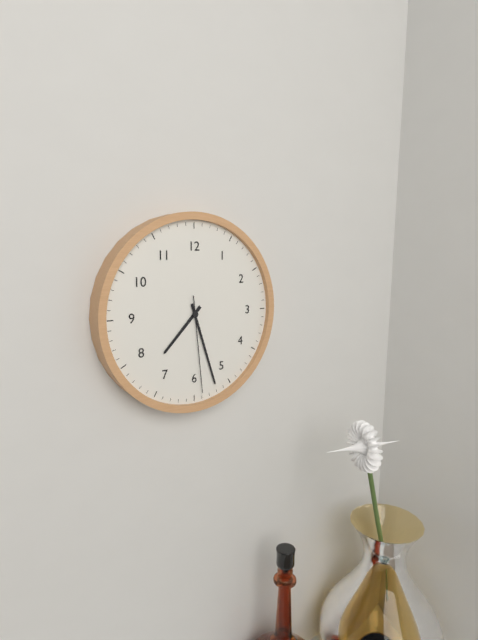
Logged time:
h=7 m=27 s=29
